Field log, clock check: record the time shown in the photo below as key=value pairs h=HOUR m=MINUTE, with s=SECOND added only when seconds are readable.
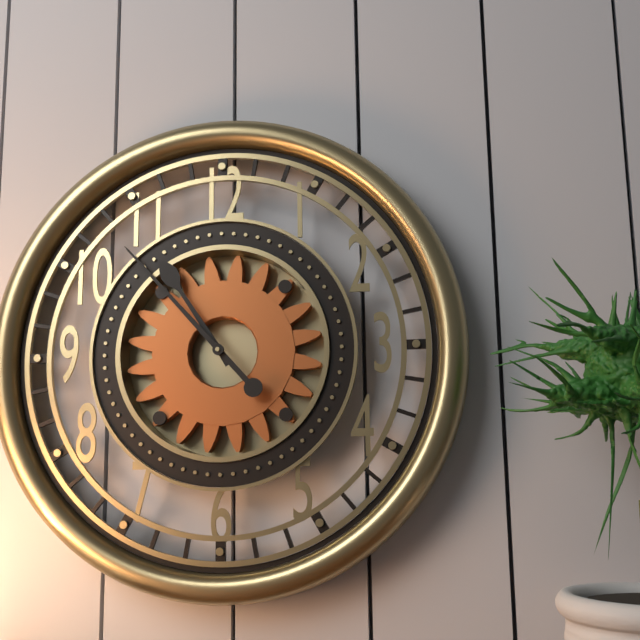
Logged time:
h=10 m=53
